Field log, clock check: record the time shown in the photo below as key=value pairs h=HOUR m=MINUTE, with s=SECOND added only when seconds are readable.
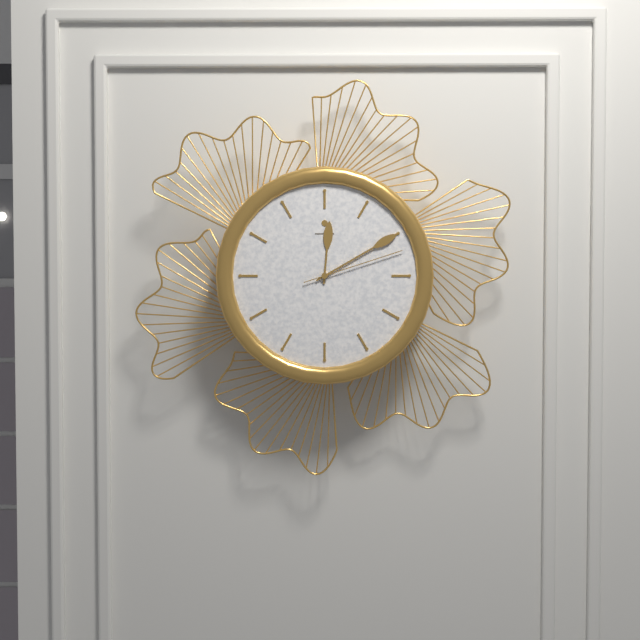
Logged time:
h=12 m=10 s=12
